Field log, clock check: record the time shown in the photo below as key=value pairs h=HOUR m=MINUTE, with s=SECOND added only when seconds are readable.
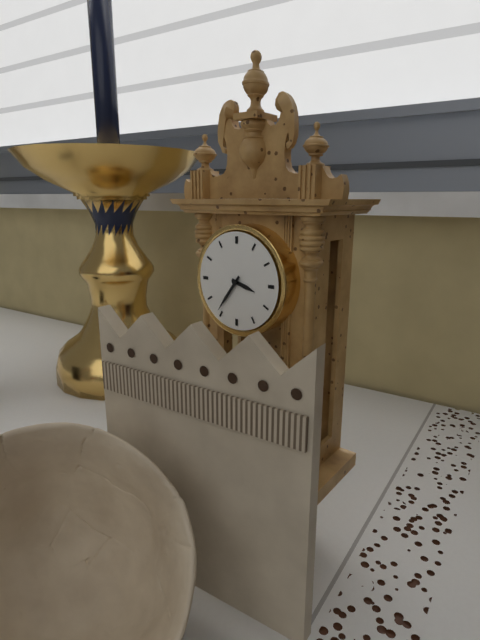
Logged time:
h=3 m=36
